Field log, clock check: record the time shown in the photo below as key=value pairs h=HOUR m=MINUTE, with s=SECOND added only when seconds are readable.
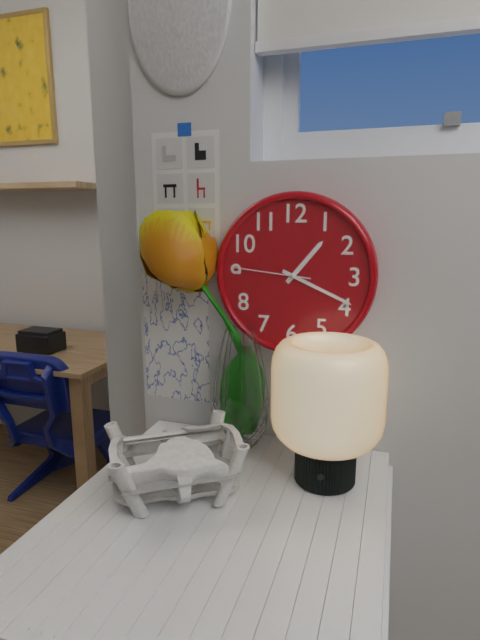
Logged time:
h=1 m=19 s=46
